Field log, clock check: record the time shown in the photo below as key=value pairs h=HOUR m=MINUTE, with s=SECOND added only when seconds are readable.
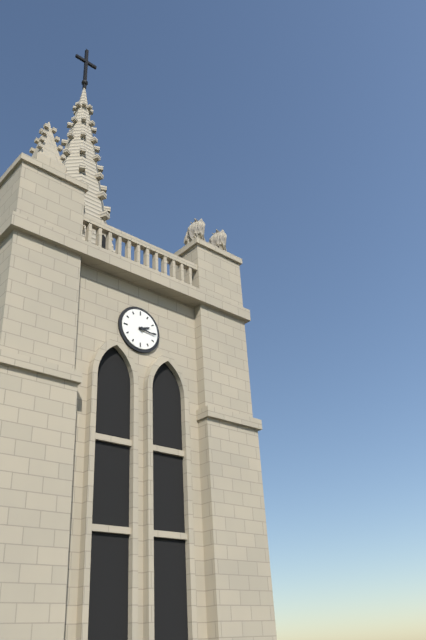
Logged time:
h=2 m=16
